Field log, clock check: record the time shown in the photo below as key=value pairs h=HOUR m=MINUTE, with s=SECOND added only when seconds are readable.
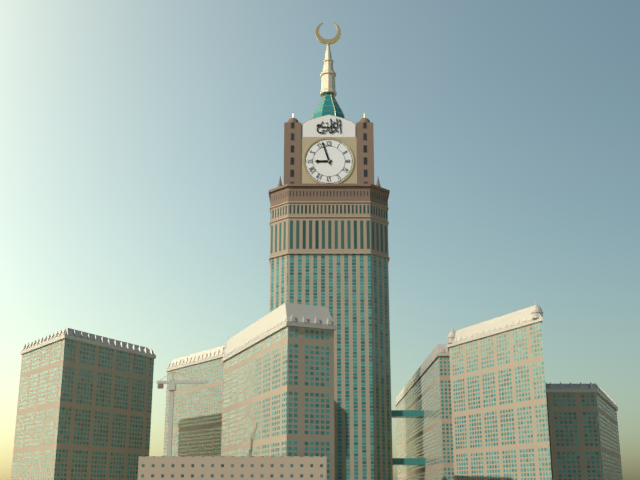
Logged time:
h=8 m=57
